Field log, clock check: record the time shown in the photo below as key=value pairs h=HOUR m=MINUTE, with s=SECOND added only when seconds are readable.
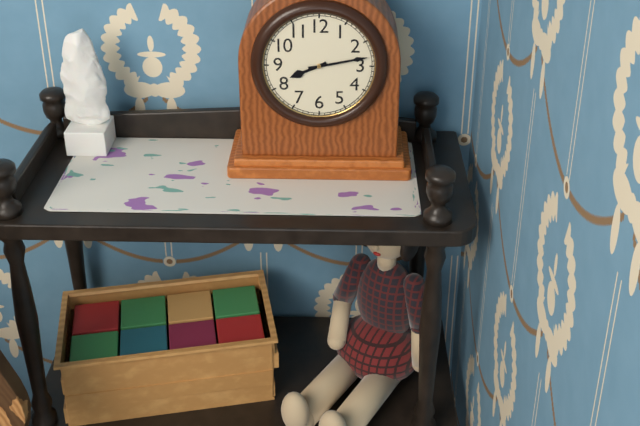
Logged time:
h=8 m=13
